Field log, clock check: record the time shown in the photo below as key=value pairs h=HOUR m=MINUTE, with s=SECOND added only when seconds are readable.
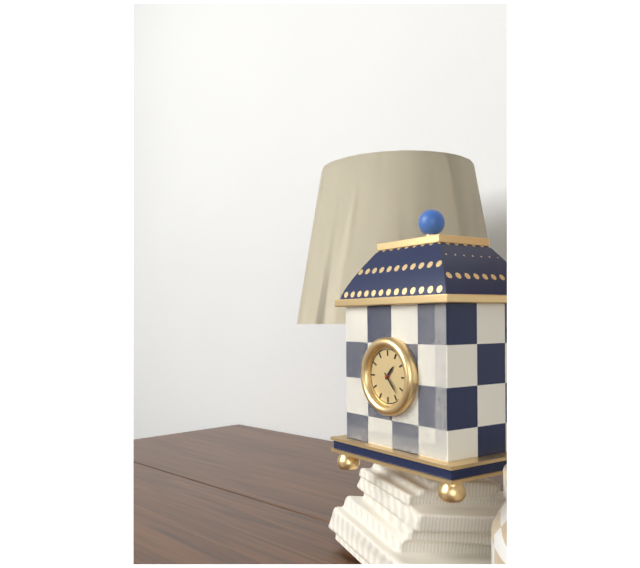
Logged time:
h=1 m=23
